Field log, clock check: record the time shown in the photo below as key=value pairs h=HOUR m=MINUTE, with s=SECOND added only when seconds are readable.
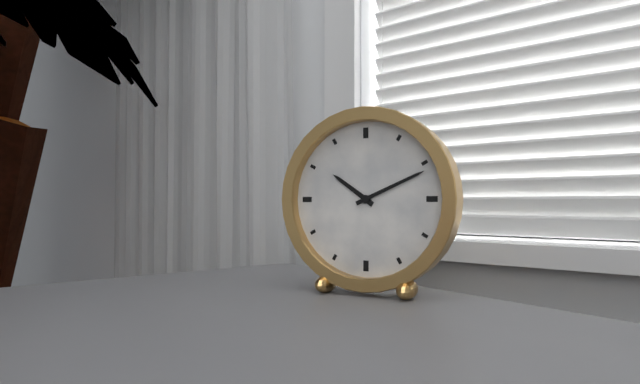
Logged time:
h=10 m=11
